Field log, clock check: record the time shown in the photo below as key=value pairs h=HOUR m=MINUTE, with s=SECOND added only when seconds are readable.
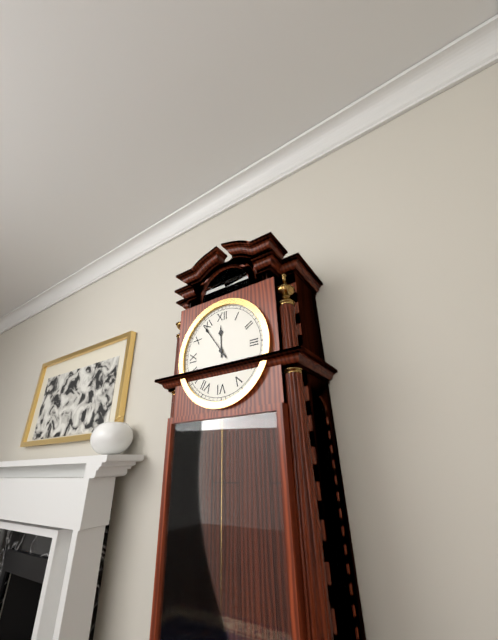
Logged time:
h=11 m=54
